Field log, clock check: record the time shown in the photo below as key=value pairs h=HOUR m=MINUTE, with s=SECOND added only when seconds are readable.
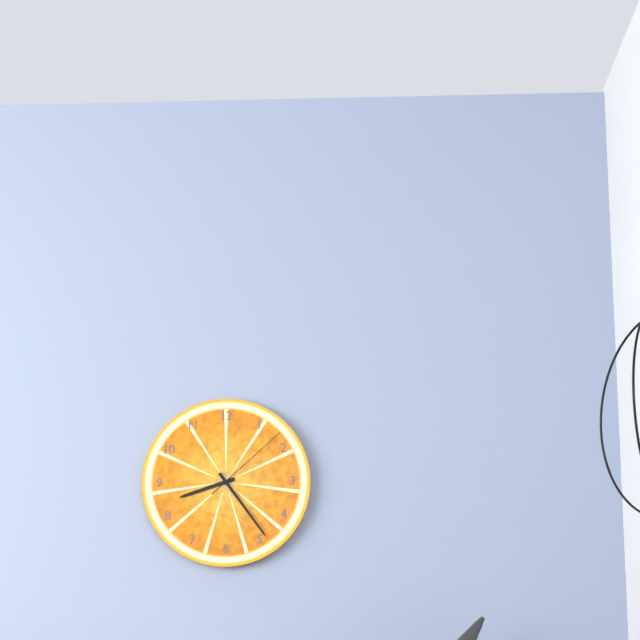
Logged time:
h=8 m=24 s=8
